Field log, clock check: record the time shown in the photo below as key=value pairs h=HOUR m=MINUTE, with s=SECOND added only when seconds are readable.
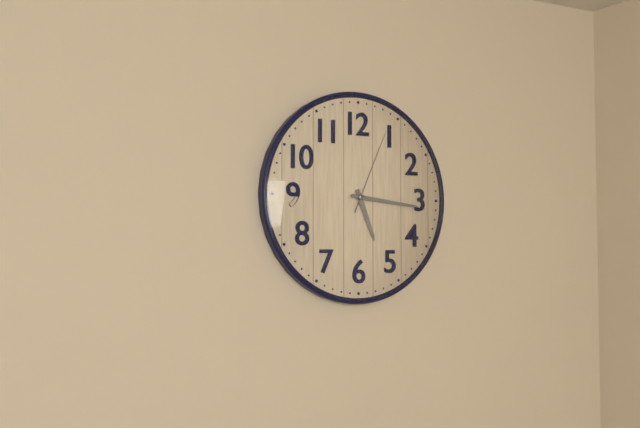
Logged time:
h=5 m=16 s=4
